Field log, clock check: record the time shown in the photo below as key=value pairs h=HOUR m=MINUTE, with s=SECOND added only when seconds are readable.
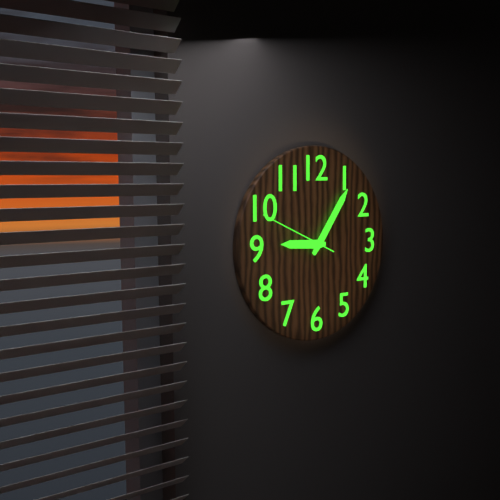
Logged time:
h=9 m=6 s=49
